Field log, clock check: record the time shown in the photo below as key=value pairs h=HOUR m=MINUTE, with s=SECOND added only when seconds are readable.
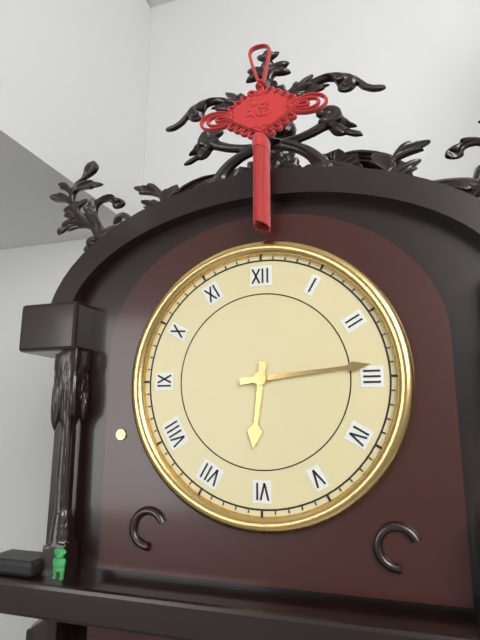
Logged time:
h=6 m=14
